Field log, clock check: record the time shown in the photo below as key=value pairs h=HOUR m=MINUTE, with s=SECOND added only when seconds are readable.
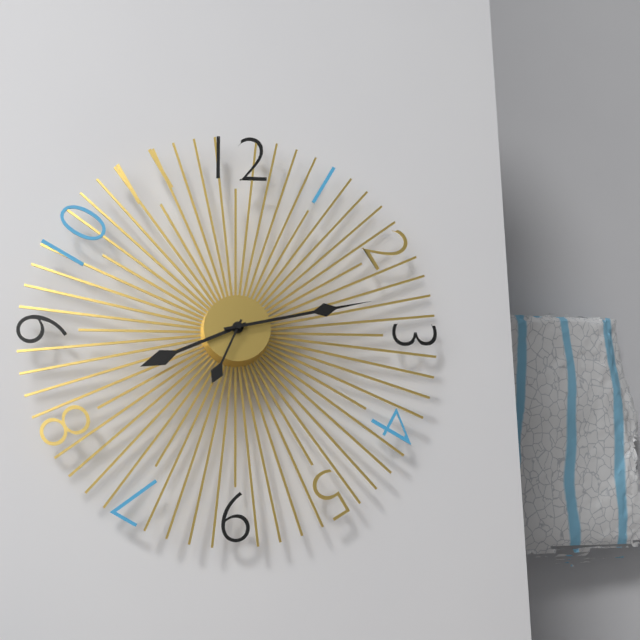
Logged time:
h=8 m=13 s=34
